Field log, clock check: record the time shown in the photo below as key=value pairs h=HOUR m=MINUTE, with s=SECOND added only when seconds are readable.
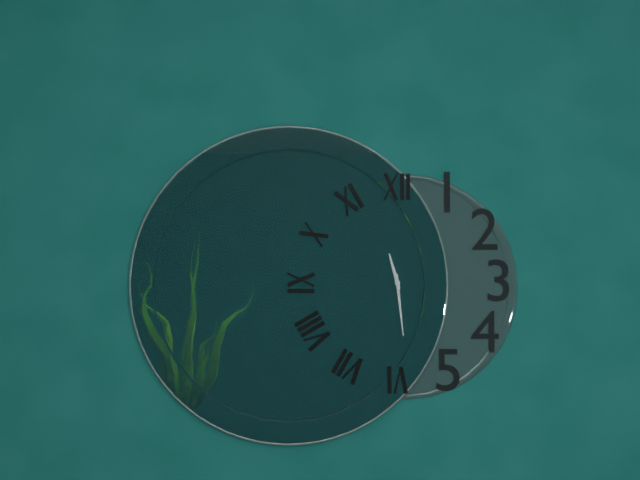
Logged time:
h=11 m=29
